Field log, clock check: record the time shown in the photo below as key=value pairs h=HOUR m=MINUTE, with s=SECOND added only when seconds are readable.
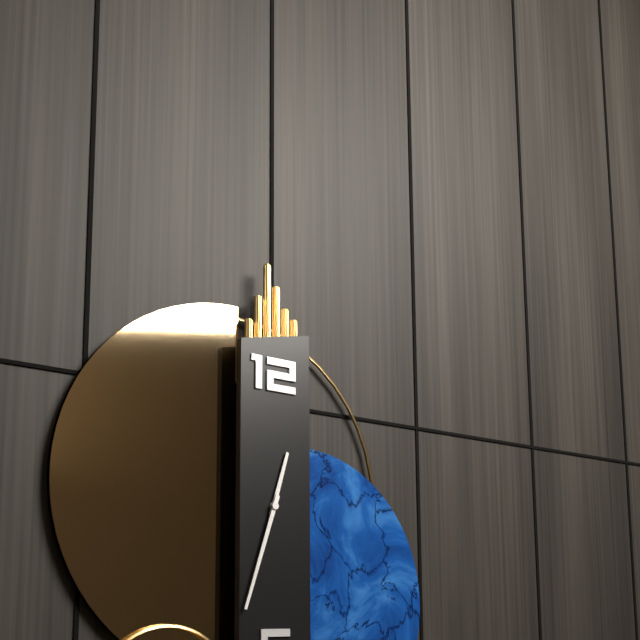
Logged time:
h=12 m=33
